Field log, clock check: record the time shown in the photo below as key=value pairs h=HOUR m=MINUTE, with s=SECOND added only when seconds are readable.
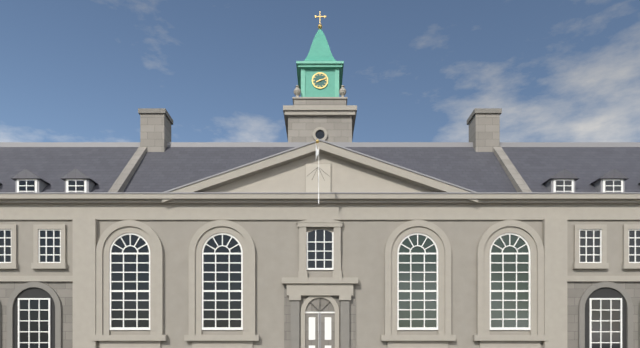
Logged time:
h=8 m=12
